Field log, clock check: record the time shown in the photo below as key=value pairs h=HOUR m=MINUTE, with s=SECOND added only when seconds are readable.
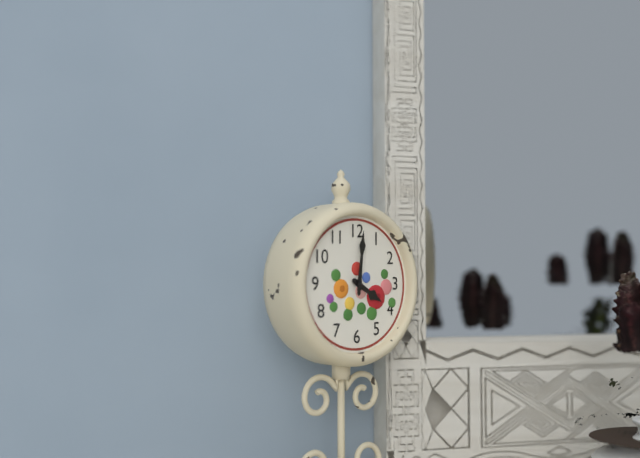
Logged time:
h=4 m=1
